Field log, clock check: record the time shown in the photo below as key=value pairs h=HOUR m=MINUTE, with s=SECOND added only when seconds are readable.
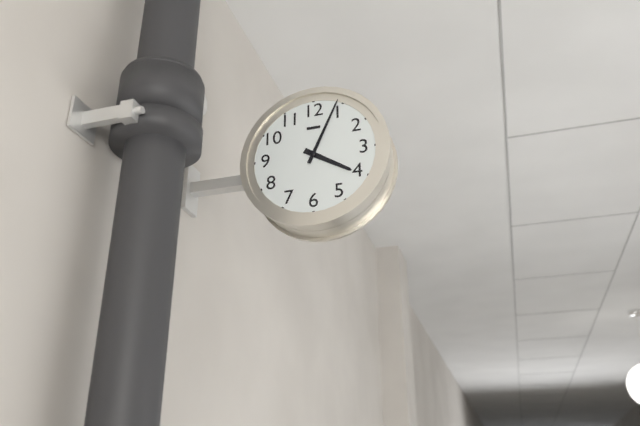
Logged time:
h=4 m=4
